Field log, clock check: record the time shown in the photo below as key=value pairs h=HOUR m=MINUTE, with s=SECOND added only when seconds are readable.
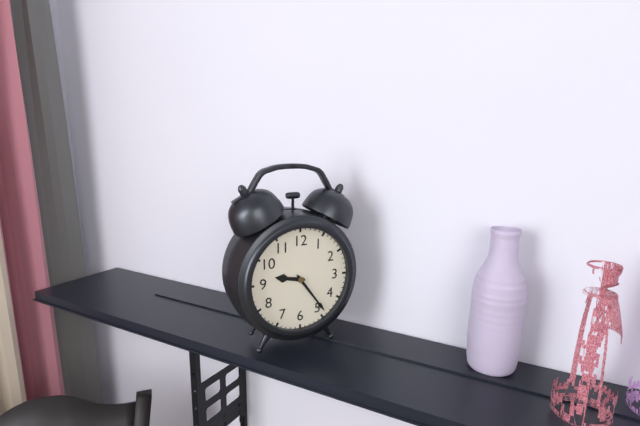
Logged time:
h=9 m=24
